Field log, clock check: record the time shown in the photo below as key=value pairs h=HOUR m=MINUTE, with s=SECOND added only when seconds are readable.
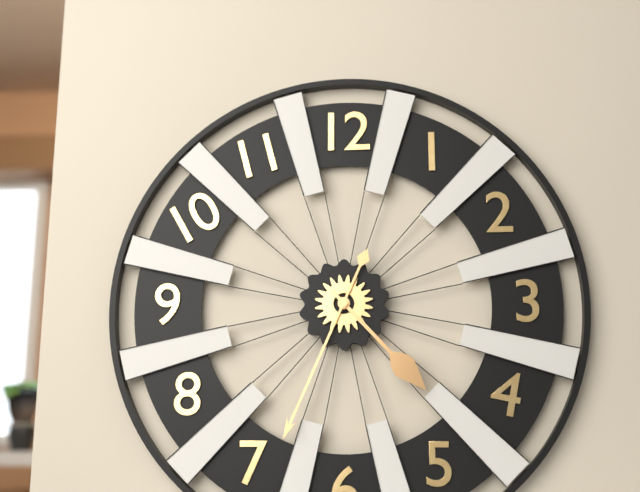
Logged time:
h=4 m=34
